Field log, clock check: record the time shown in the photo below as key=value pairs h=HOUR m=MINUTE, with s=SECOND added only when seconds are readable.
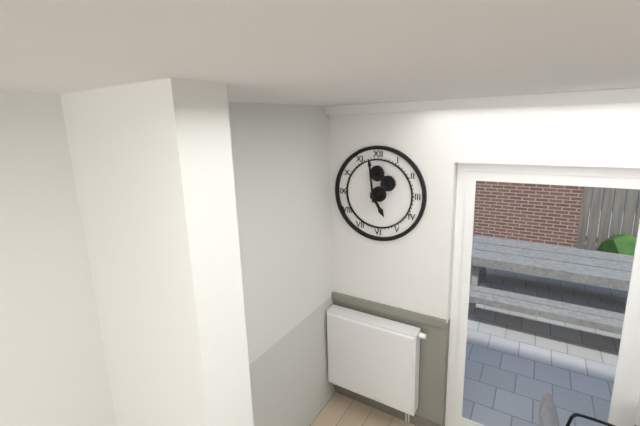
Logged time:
h=4 m=59
